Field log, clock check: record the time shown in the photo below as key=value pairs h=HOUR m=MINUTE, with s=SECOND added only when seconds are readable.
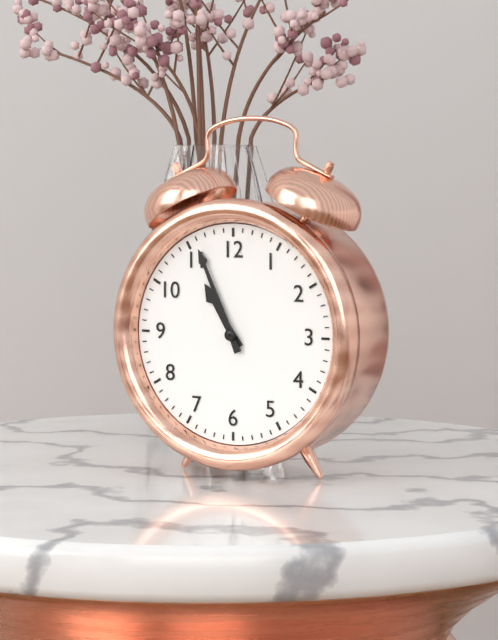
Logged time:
h=10 m=56
